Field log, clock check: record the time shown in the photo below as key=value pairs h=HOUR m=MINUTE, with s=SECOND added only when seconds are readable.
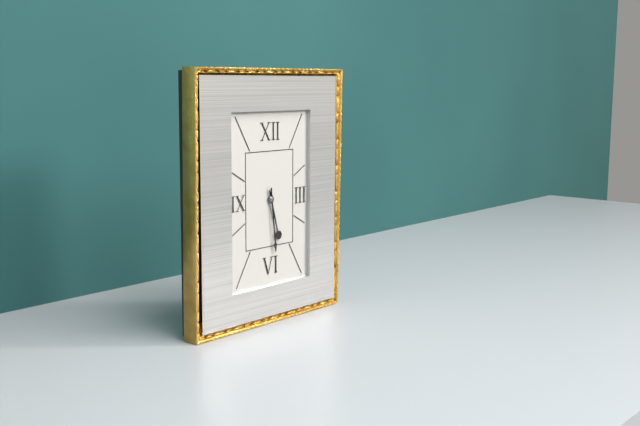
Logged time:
h=5 m=29
